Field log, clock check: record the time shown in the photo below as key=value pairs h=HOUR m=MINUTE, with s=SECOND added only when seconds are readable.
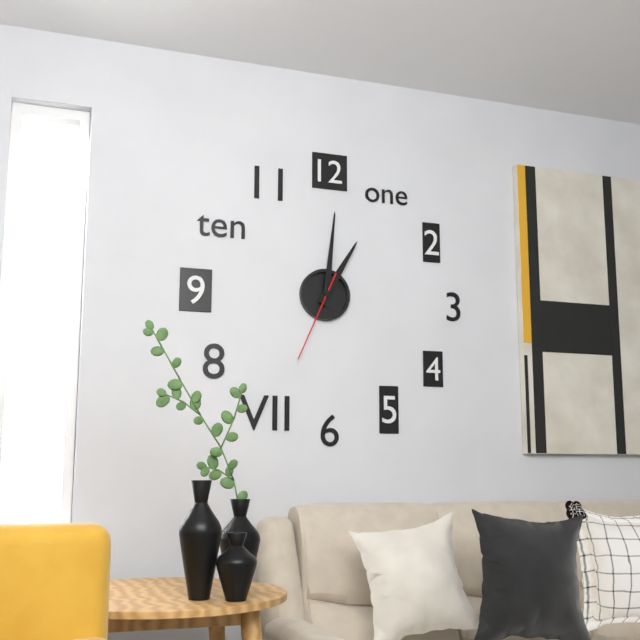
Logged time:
h=1 m=1 s=34
